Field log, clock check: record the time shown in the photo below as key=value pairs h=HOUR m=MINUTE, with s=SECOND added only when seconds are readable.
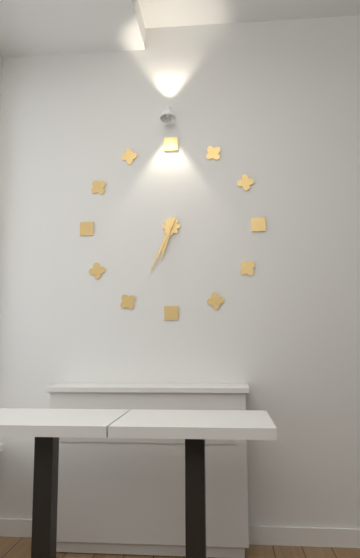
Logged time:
h=6 m=34
